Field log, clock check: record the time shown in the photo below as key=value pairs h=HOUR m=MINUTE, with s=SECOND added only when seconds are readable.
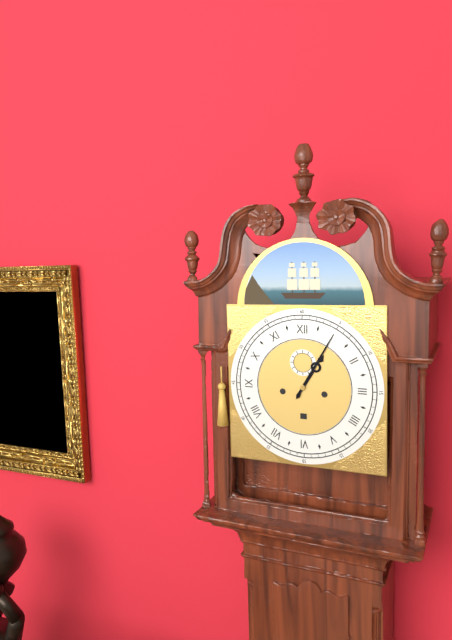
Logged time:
h=1 m=5
